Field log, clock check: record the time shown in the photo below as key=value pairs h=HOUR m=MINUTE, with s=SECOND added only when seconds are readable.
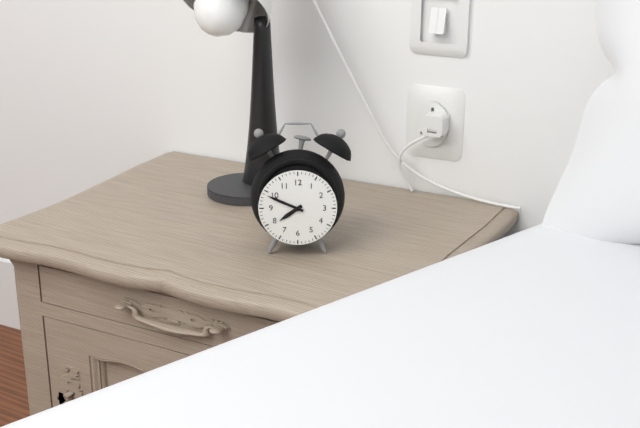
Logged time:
h=7 m=49
